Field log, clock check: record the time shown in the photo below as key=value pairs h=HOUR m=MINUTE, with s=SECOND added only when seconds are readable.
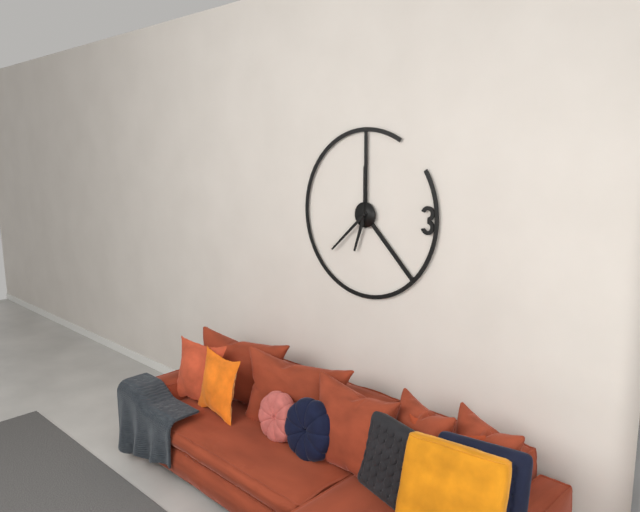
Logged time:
h=6 m=38 s=0
